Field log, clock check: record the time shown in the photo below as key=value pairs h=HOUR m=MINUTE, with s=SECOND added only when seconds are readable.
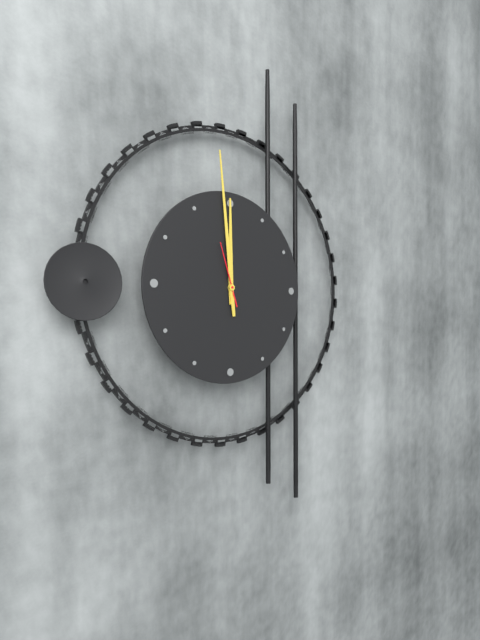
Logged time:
h=11 m=59 s=57
